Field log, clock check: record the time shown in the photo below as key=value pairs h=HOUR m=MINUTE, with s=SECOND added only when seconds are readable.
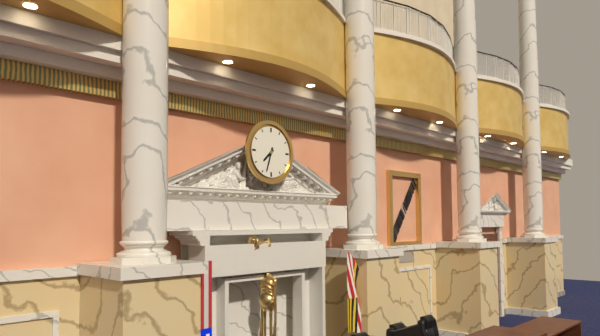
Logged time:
h=7 m=33
